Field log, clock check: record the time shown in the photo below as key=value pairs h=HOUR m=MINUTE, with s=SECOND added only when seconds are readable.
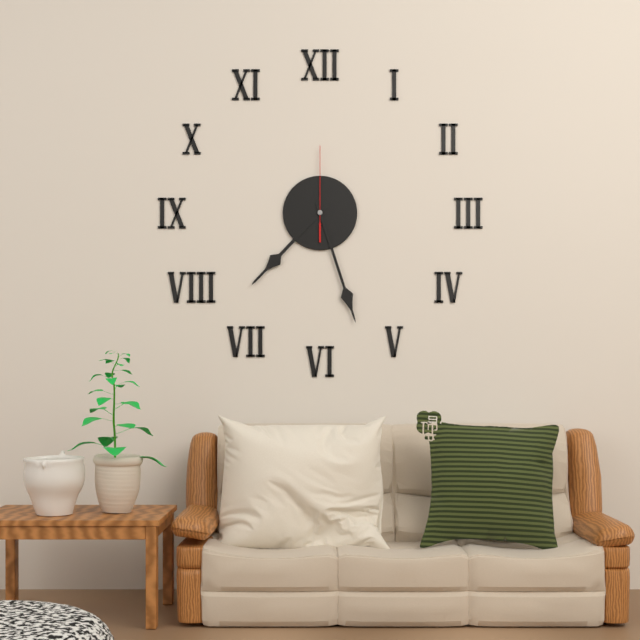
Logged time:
h=7 m=27 s=0
